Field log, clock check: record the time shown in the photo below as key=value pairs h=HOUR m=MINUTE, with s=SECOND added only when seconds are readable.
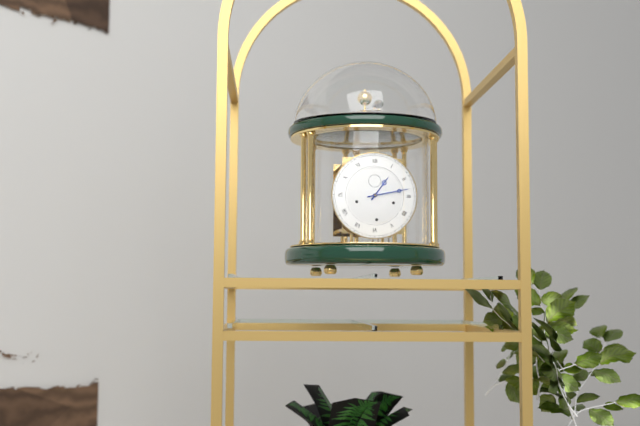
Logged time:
h=1 m=13
